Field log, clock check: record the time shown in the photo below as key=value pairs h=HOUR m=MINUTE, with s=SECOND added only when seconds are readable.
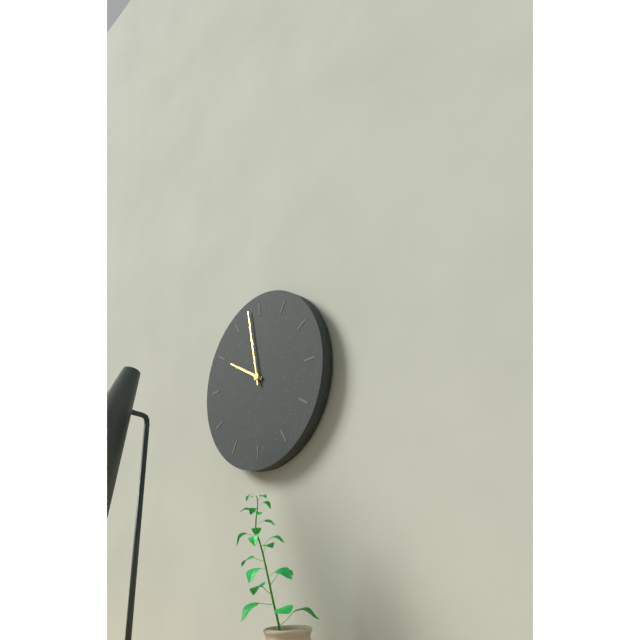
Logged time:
h=9 m=58
